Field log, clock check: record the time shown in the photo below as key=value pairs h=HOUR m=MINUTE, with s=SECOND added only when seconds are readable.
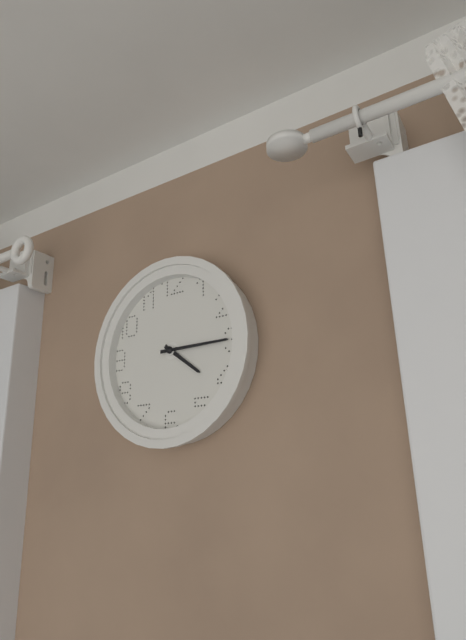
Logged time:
h=4 m=15
